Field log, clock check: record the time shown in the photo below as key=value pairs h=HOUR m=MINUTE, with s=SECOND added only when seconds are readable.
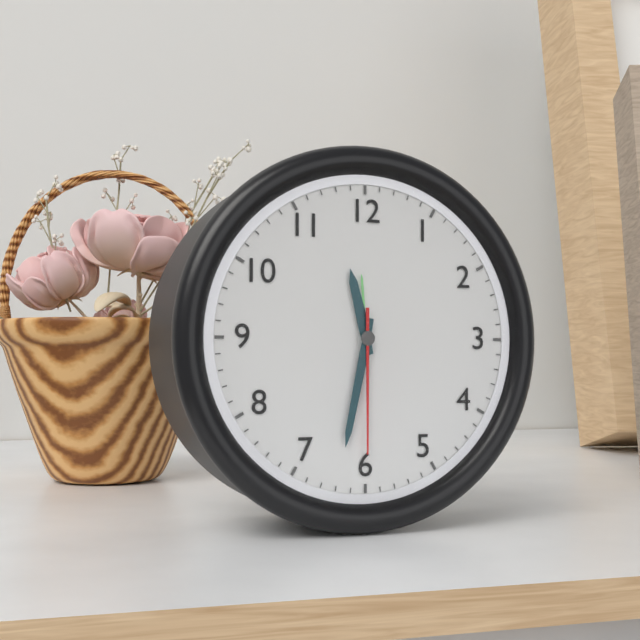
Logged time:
h=11 m=32 s=30
